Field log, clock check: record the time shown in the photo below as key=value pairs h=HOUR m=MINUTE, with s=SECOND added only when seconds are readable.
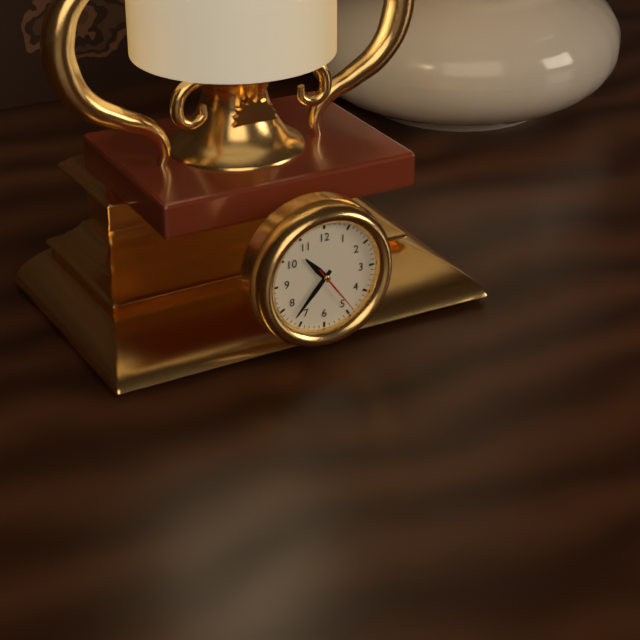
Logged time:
h=10 m=37 s=24
